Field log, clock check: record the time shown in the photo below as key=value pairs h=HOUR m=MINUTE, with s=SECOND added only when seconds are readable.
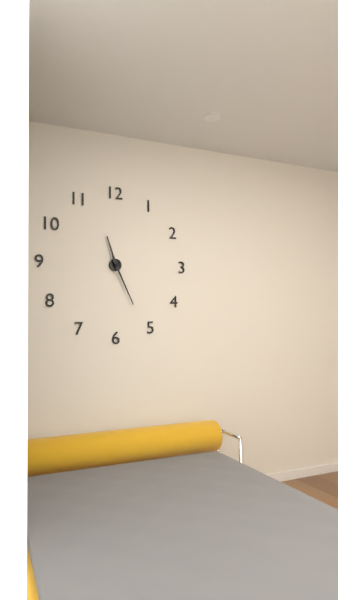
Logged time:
h=11 m=26
